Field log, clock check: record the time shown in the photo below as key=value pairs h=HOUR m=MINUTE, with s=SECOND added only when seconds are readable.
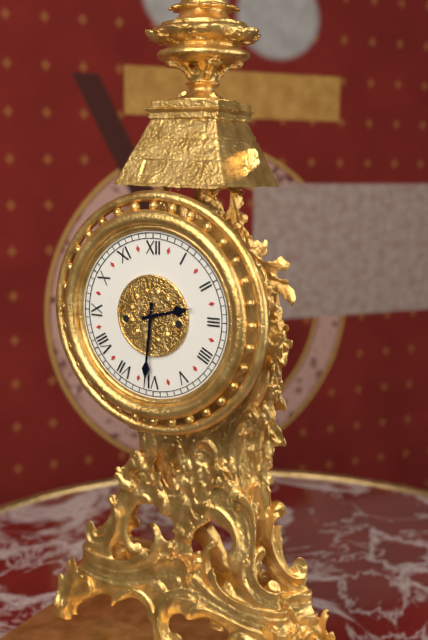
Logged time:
h=2 m=31
